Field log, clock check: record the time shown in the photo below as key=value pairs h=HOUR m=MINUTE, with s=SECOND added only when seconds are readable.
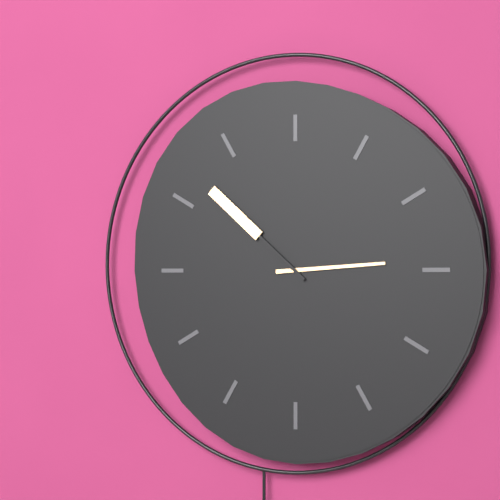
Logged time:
h=2 m=52
